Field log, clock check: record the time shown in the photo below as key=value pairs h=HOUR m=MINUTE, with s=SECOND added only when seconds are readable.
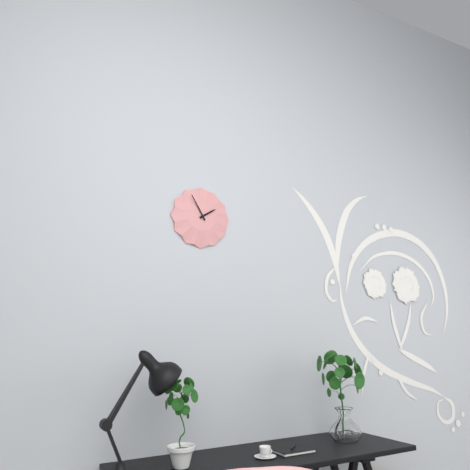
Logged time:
h=1 m=55
